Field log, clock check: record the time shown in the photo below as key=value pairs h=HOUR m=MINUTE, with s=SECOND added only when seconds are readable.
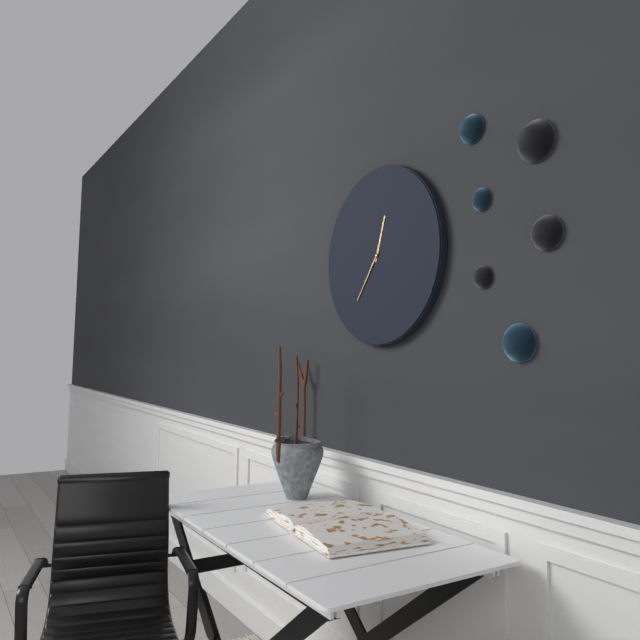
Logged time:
h=12 m=36
